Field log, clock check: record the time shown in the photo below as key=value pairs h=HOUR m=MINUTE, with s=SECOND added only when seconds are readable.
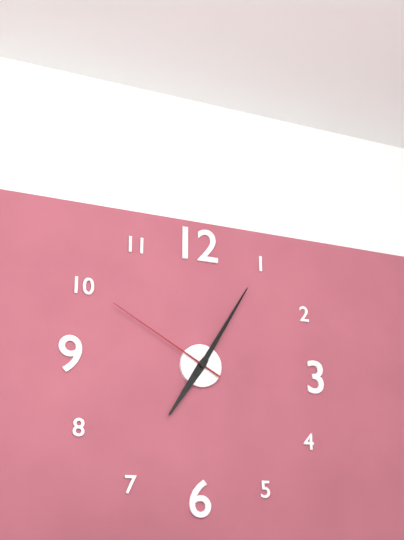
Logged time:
h=7 m=5 s=50
